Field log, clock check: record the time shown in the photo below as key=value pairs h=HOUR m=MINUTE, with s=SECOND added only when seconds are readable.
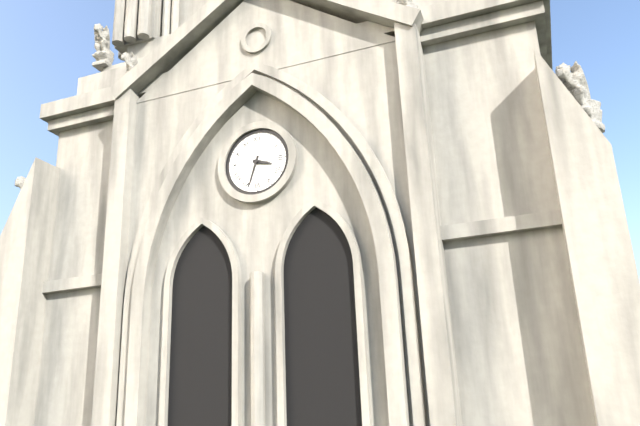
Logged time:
h=3 m=33
